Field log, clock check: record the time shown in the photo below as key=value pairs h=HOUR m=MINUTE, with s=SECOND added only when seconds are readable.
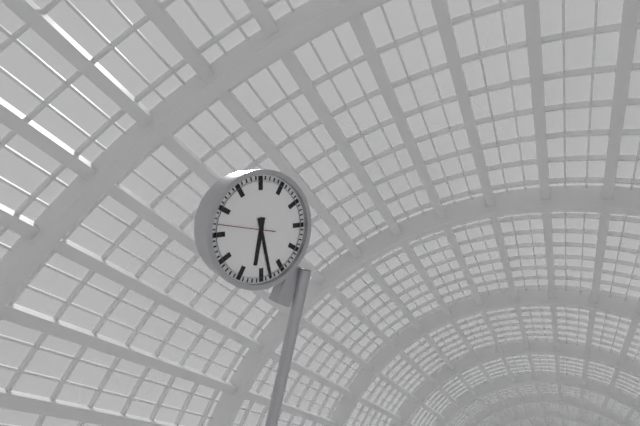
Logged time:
h=5 m=23 s=42
